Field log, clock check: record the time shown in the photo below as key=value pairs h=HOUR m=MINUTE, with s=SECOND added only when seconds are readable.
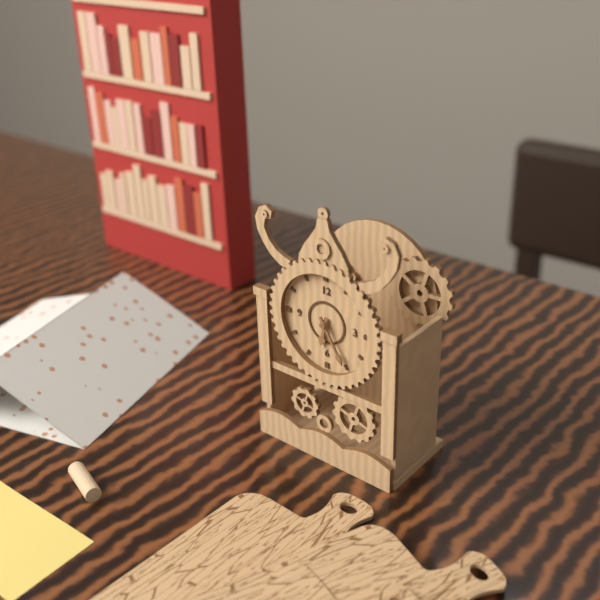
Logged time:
h=6 m=25
